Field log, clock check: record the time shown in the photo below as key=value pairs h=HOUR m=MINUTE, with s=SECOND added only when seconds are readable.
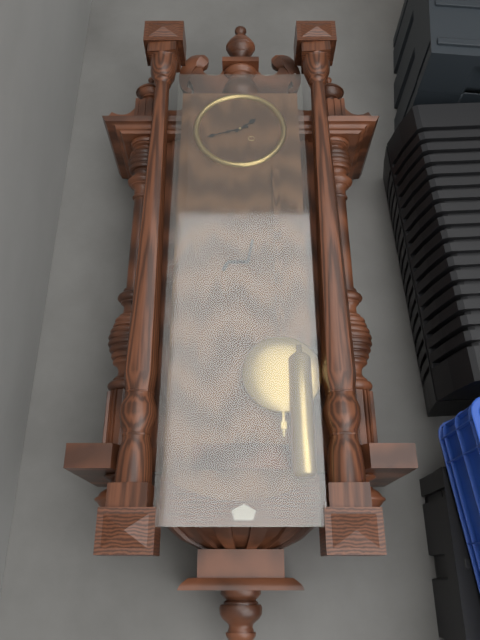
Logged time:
h=1 m=42
